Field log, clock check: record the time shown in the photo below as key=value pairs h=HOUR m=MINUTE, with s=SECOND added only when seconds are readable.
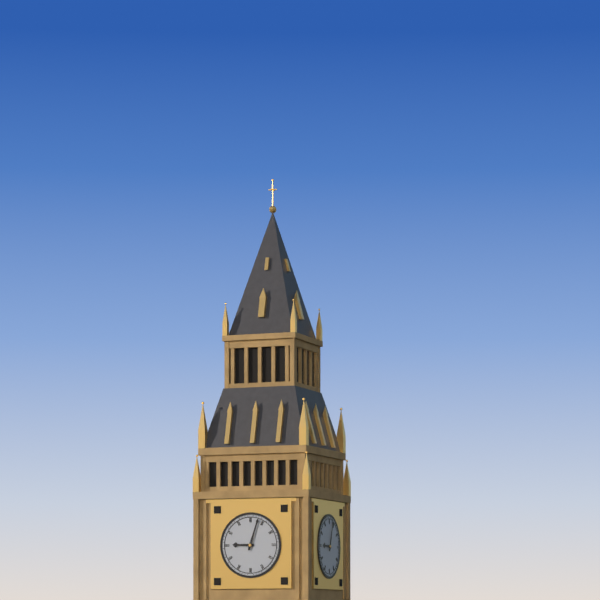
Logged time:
h=9 m=3
